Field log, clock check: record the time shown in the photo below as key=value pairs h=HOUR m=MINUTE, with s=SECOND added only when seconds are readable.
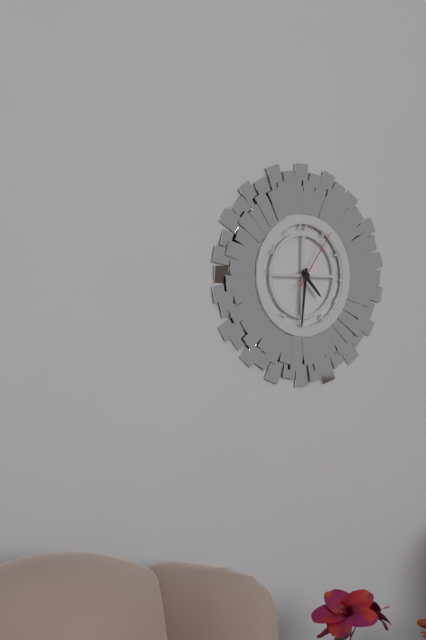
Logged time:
h=4 m=31 s=6
